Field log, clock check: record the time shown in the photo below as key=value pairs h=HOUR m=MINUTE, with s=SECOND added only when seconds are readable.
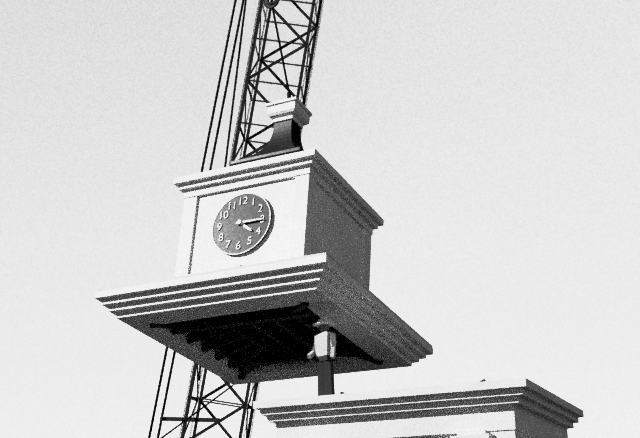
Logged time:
h=4 m=15
